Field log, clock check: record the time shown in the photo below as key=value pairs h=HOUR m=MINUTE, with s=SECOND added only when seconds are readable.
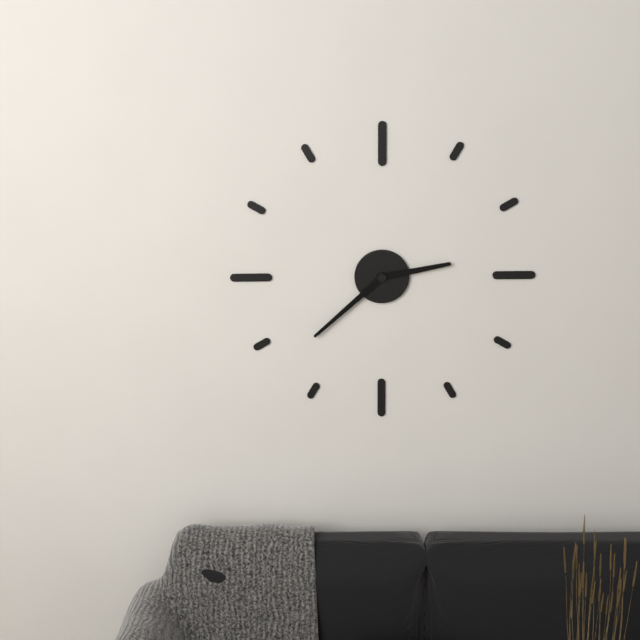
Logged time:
h=2 m=38
